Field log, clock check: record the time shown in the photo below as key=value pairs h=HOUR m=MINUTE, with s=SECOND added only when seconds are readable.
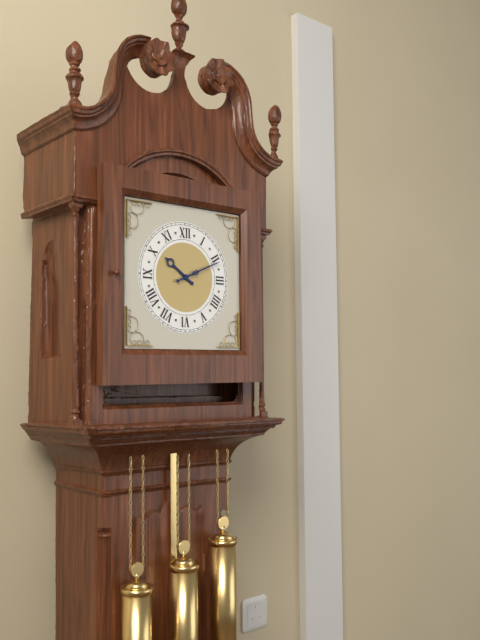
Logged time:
h=10 m=11
